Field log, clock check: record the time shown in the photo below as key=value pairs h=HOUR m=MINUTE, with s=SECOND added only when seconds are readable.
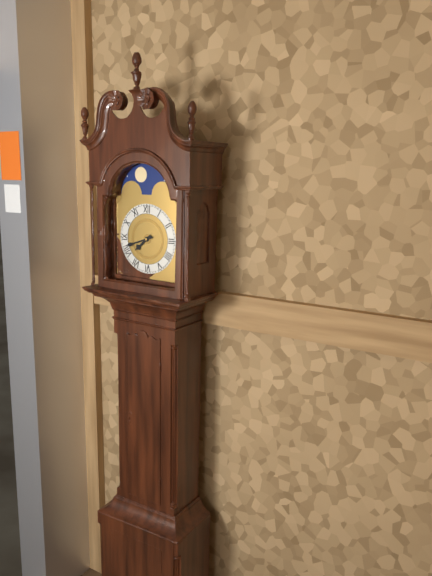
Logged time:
h=7 m=42
